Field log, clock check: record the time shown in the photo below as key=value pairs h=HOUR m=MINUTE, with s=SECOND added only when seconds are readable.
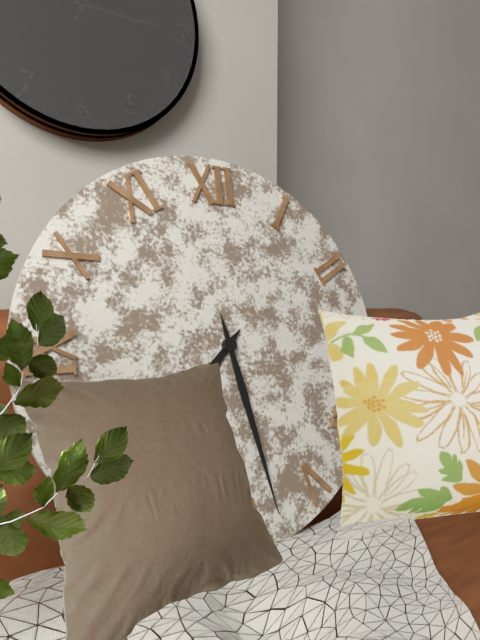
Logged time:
h=7 m=28
